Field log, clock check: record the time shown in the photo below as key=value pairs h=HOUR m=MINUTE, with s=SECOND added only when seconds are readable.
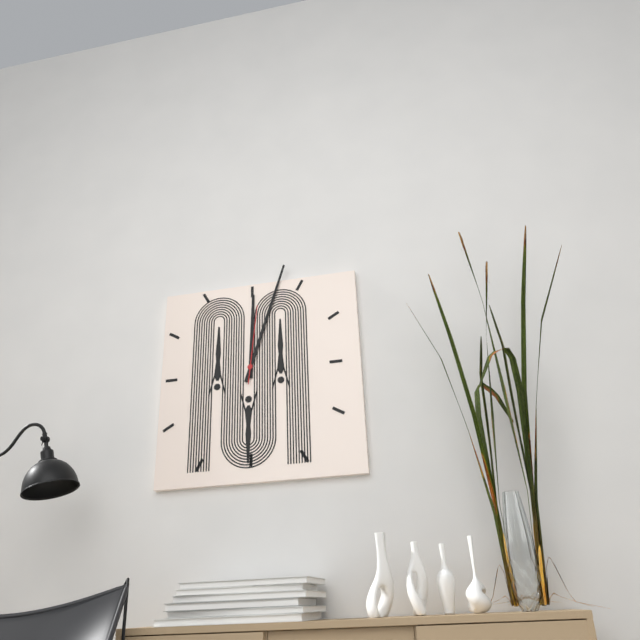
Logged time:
h=12 m=3 s=1
